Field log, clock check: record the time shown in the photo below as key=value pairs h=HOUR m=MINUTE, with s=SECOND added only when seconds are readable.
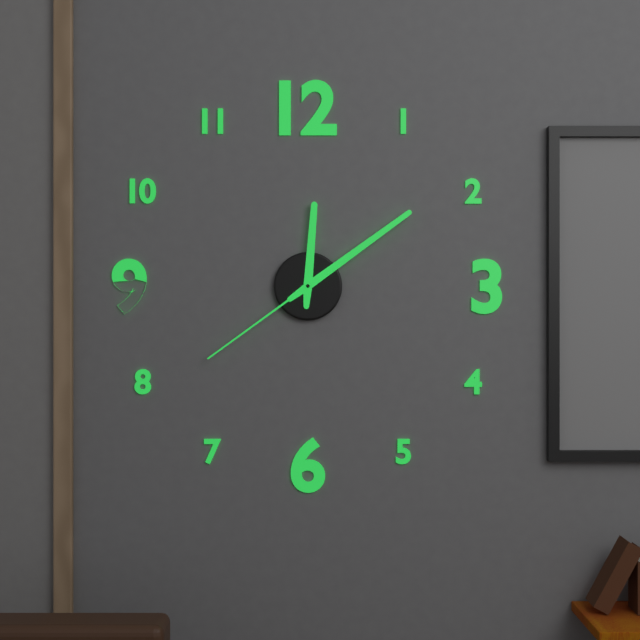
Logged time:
h=12 m=9 s=39
